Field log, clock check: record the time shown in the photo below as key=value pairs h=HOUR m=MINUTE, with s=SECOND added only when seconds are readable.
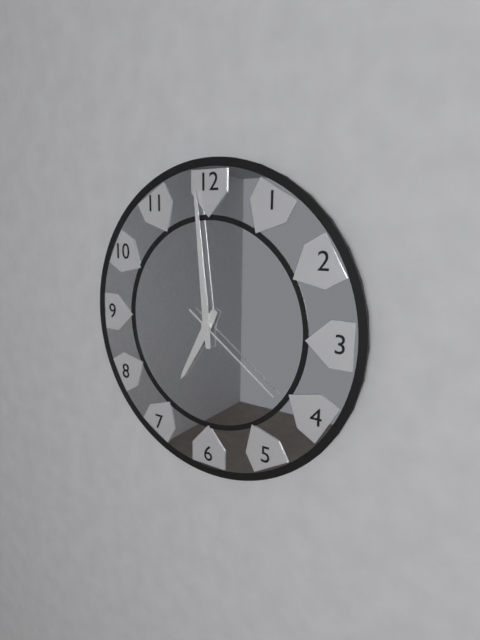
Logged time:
h=6 m=59 s=21
